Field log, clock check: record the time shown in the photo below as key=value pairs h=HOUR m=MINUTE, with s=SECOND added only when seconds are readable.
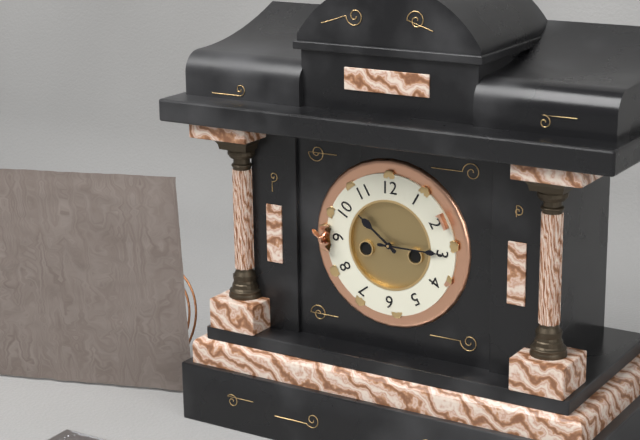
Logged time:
h=10 m=15
